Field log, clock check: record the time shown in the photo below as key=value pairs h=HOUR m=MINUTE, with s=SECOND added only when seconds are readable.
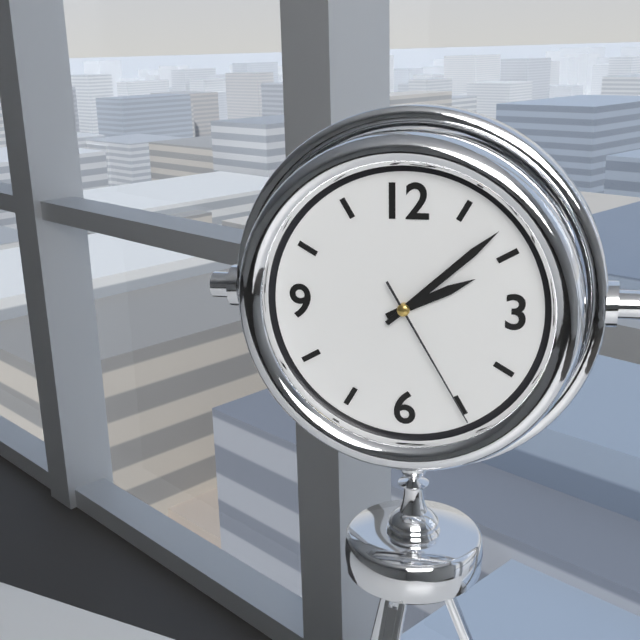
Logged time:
h=2 m=8 s=25
